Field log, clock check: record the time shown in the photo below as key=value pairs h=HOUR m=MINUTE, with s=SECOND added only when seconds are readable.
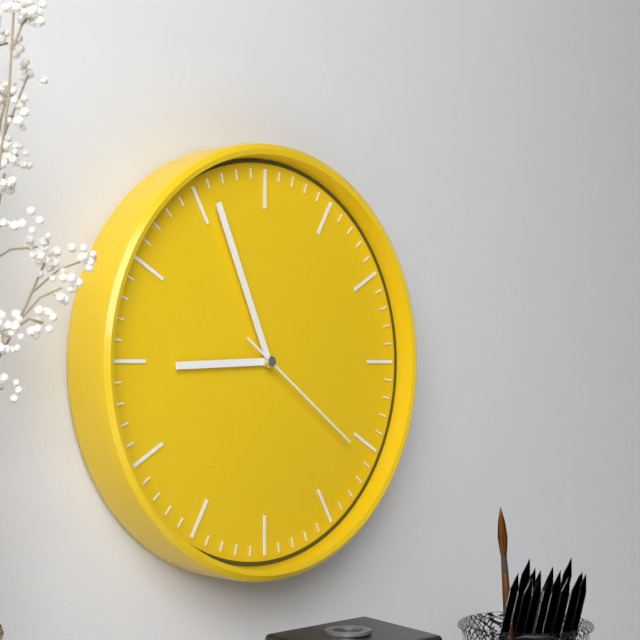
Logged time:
h=8 m=56 s=21
